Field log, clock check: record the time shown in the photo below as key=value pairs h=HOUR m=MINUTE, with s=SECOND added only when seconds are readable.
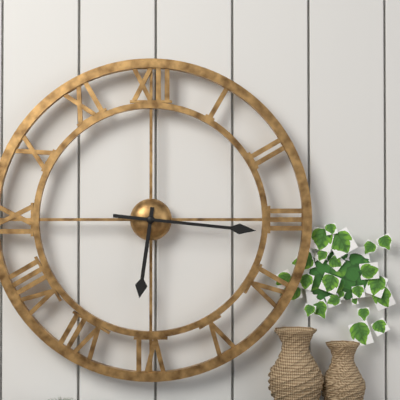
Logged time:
h=6 m=16
